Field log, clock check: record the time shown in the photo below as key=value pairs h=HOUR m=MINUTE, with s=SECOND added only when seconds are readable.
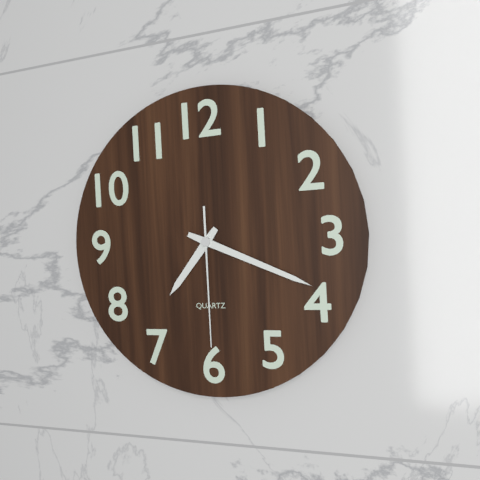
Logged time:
h=7 m=19 s=30
